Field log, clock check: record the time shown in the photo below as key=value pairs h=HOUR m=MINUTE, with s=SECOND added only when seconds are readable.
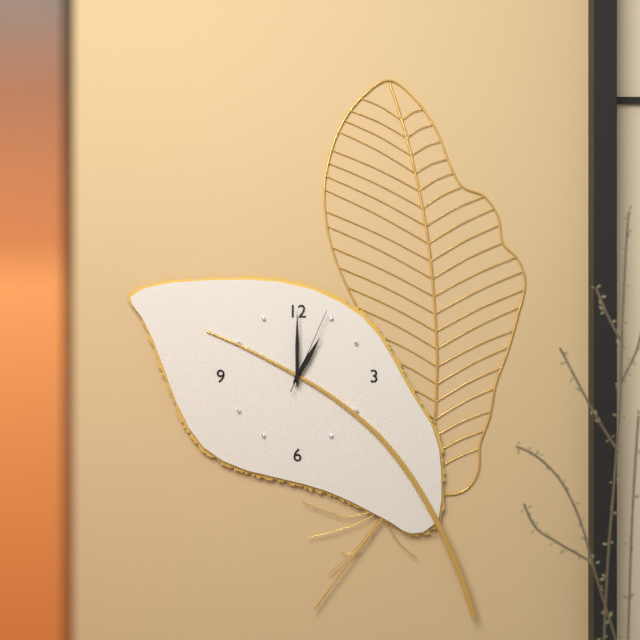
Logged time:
h=1 m=0 s=4
